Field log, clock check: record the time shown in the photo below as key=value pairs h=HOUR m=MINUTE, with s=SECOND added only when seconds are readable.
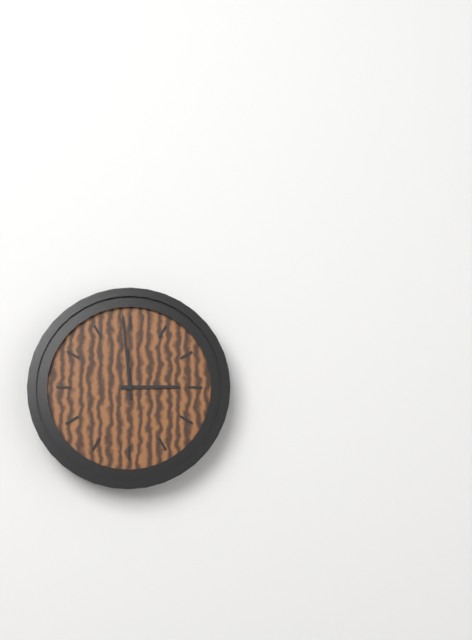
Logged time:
h=2 m=59
